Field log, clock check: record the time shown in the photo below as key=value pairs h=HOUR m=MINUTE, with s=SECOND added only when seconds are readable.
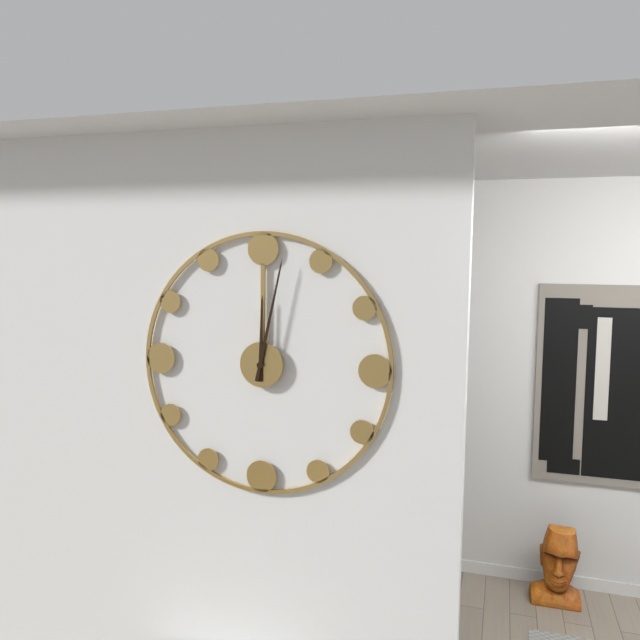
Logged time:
h=12 m=2
